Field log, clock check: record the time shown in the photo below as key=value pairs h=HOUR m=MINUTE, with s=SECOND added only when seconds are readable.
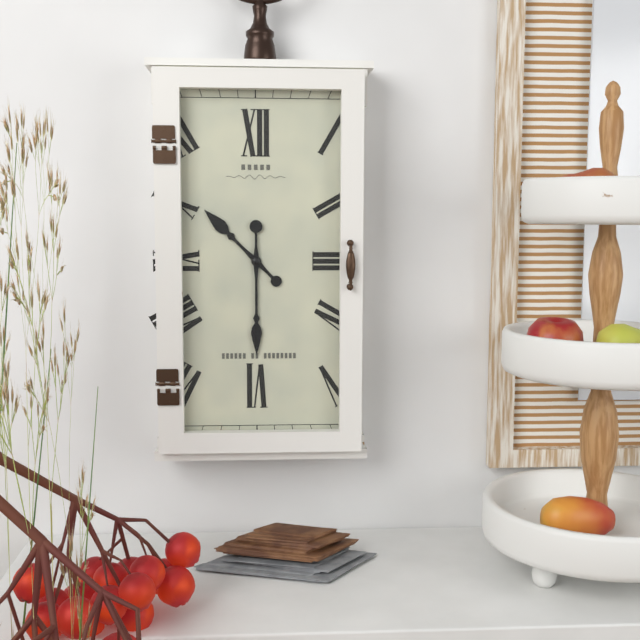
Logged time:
h=10 m=30
